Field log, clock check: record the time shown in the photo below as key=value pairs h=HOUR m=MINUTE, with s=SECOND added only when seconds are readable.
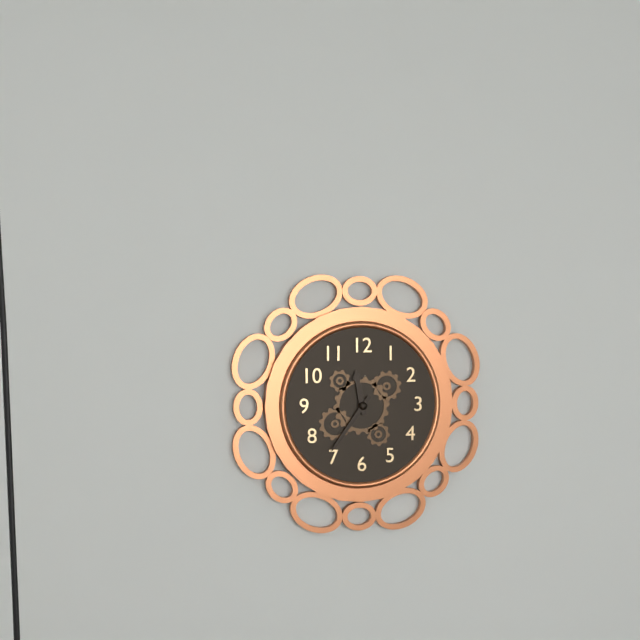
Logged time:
h=11 m=36
